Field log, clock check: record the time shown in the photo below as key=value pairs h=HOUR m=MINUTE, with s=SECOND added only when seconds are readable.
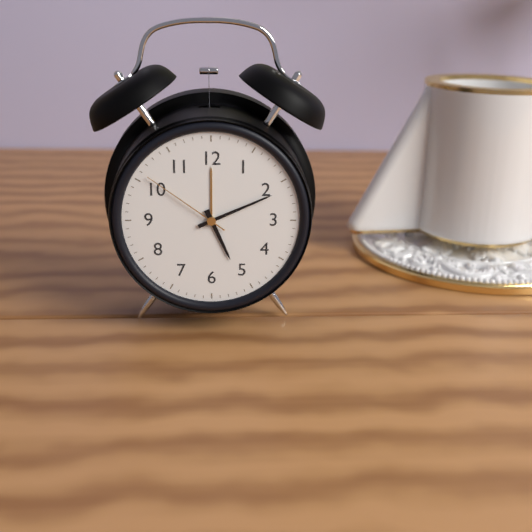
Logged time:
h=5 m=11 s=51
